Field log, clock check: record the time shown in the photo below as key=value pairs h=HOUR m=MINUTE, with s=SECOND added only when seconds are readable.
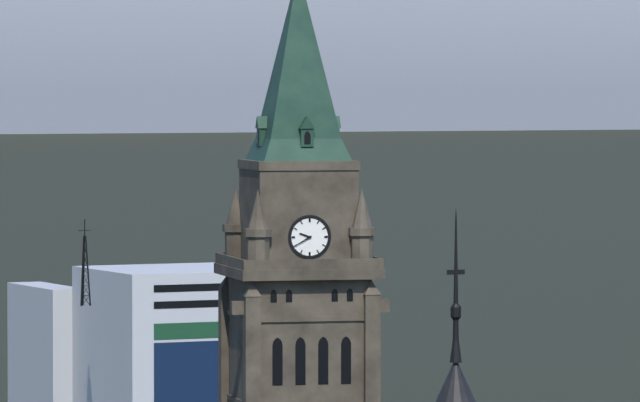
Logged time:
h=9 m=40
